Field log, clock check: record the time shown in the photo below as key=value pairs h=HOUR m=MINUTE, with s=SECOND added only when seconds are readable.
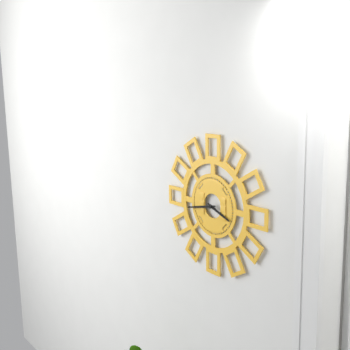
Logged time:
h=3 m=43
